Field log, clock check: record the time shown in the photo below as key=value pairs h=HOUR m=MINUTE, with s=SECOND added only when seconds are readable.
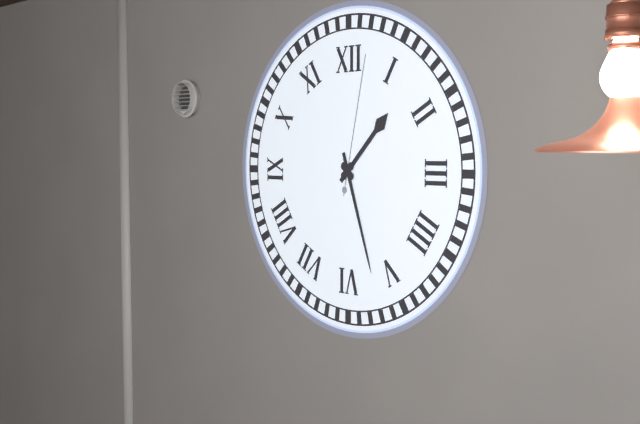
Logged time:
h=1 m=27 s=2
